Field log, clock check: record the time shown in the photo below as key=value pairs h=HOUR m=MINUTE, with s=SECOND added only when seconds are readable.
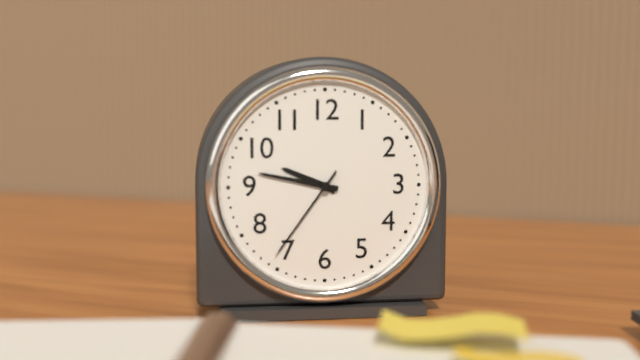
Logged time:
h=9 m=47 s=36
